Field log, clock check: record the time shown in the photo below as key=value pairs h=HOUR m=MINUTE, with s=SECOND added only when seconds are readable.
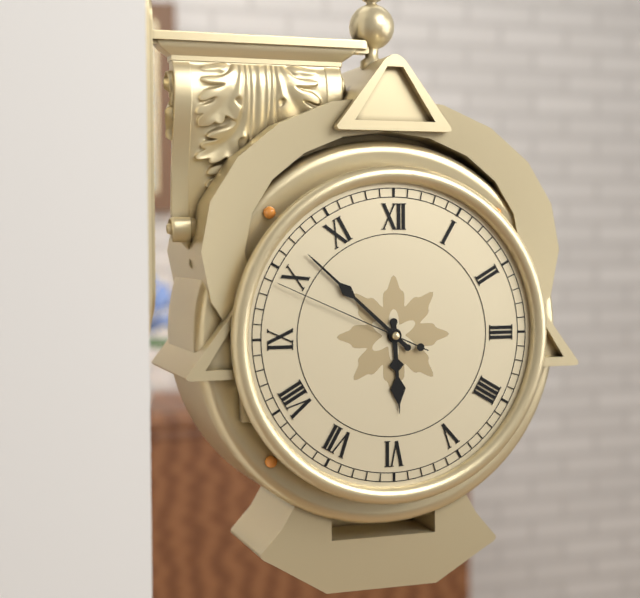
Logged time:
h=5 m=52 s=49
